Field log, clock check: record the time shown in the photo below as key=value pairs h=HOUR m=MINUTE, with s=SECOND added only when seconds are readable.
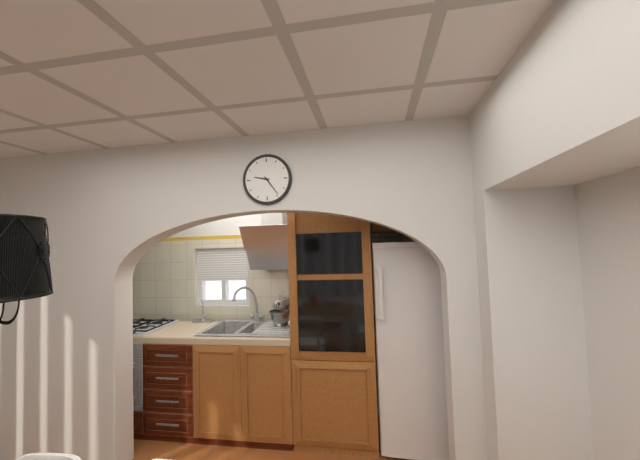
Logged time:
h=9 m=24
